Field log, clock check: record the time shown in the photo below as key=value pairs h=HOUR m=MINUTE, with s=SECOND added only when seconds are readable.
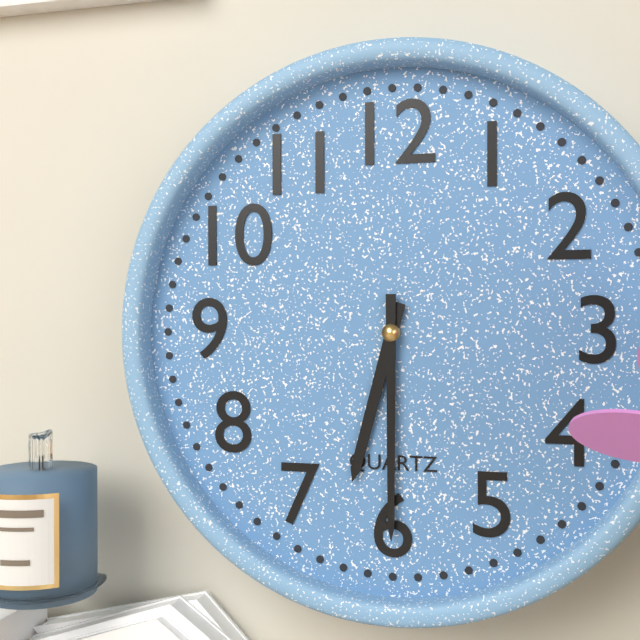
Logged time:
h=6 m=30
